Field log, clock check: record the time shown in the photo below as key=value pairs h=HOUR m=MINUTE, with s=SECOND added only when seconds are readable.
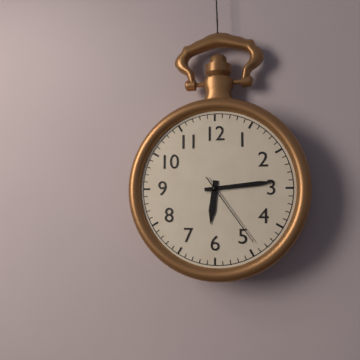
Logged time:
h=6 m=14 s=24
